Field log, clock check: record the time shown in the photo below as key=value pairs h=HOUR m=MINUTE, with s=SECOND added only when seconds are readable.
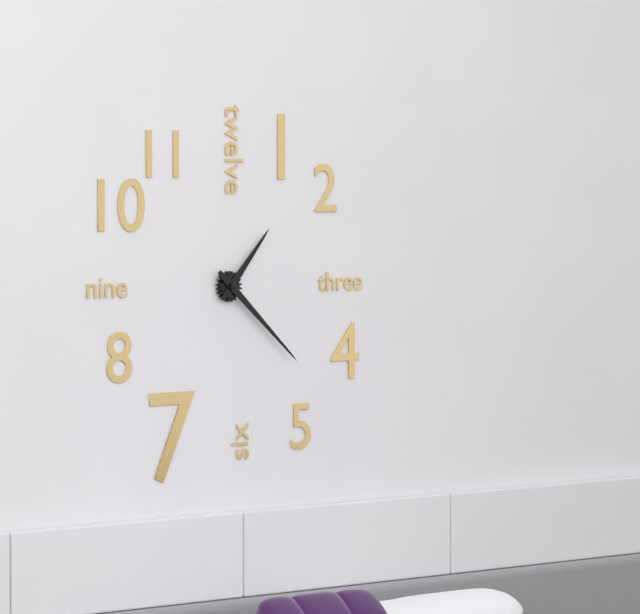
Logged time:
h=1 m=22
